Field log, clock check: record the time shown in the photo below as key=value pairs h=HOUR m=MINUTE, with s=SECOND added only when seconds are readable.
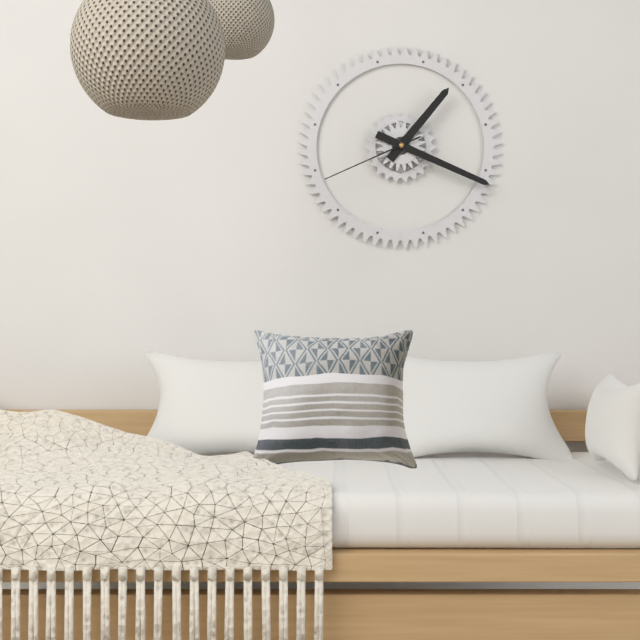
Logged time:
h=1 m=19 s=41
